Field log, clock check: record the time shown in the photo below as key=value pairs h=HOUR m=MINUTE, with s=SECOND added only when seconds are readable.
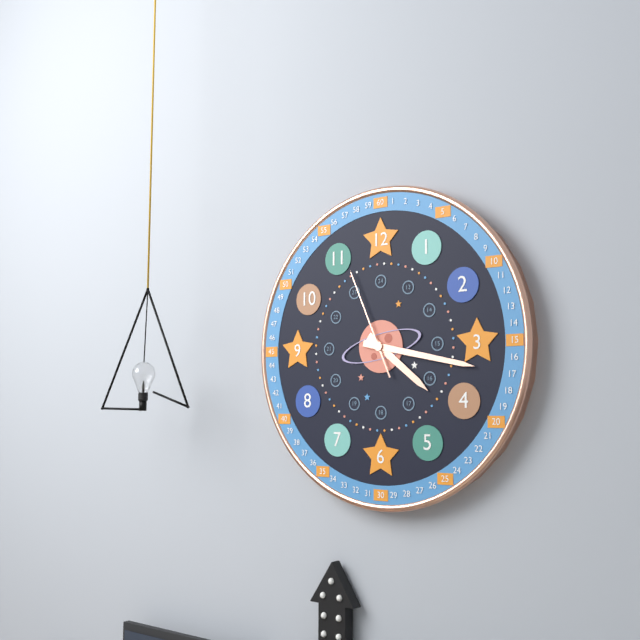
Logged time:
h=4 m=17 s=56
